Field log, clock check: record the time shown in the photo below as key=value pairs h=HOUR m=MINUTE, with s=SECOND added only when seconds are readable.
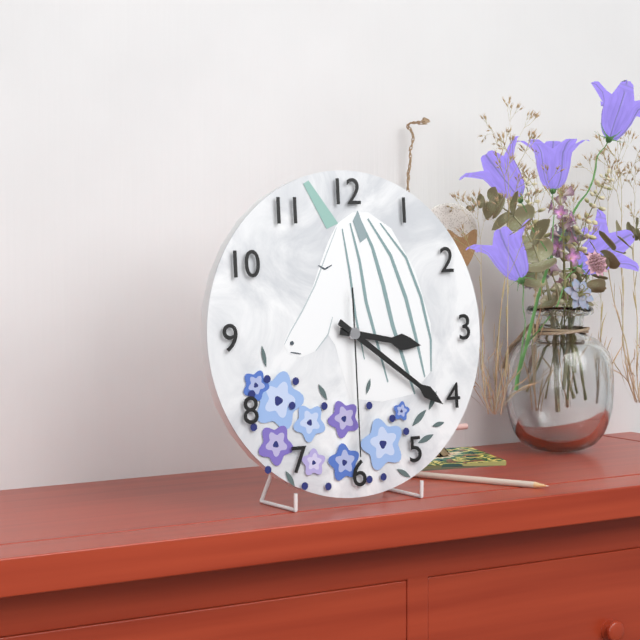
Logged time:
h=3 m=21 s=30
